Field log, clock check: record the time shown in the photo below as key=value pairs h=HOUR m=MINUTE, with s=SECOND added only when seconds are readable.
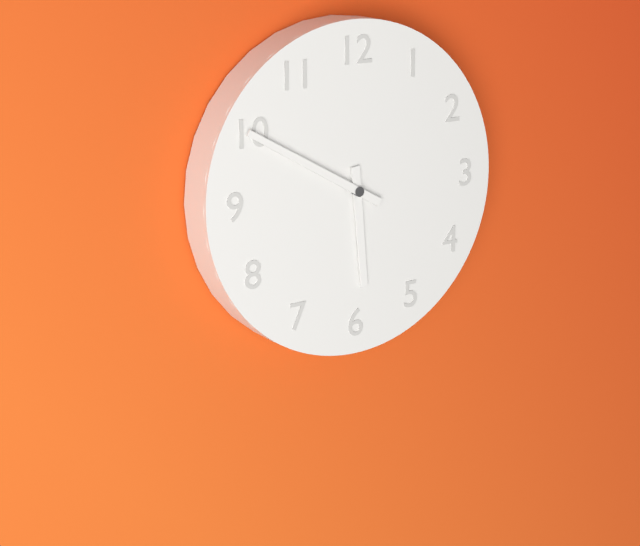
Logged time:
h=5 m=50
